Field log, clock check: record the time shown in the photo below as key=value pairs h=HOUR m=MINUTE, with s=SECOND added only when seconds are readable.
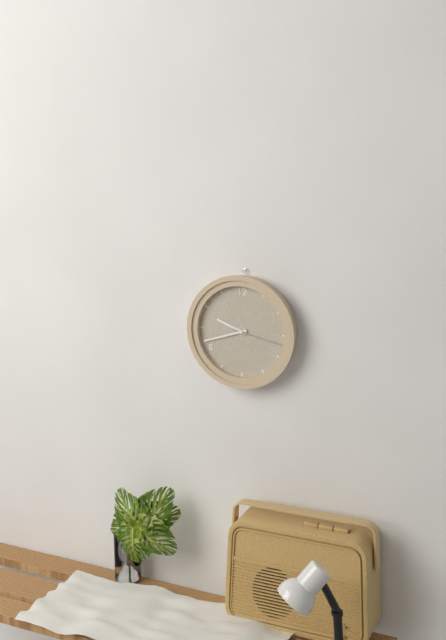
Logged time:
h=9 m=42 s=17
